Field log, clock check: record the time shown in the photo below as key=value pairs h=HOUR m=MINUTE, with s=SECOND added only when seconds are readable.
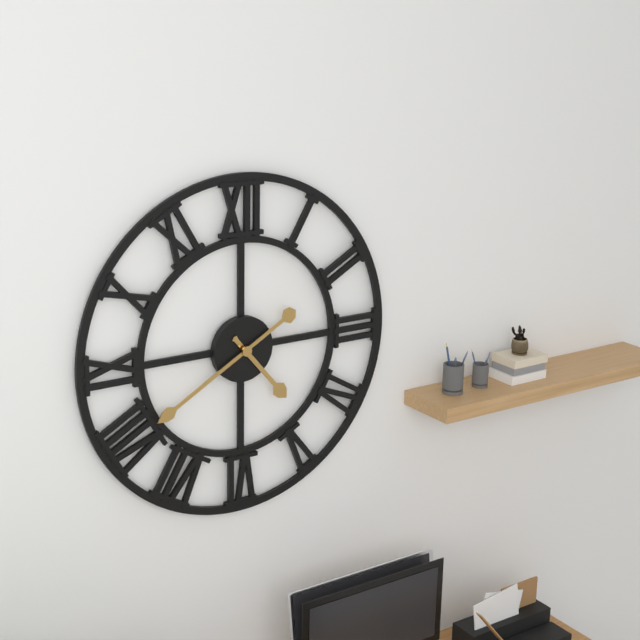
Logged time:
h=4 m=40
